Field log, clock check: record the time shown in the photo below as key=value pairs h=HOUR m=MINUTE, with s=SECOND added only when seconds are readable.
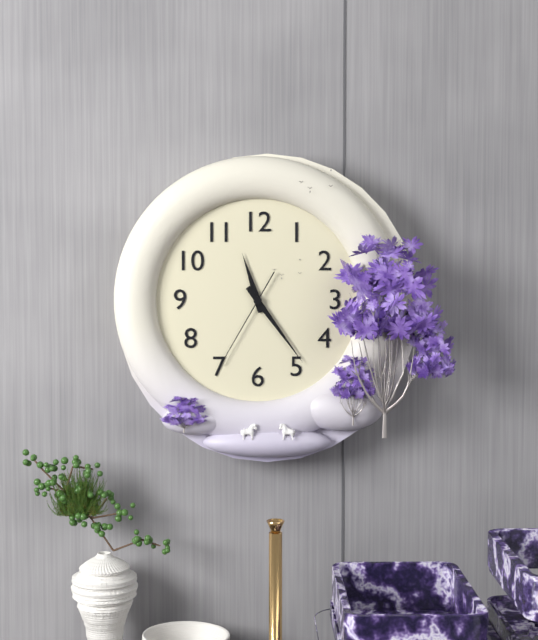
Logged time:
h=11 m=24 s=35
